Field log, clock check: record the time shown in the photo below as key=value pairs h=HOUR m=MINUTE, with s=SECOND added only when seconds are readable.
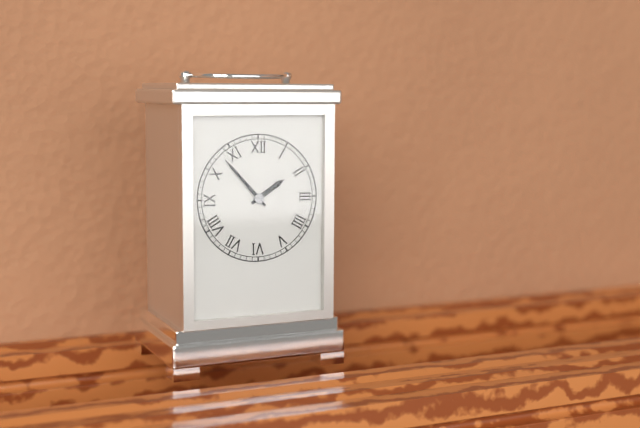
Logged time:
h=1 m=53
